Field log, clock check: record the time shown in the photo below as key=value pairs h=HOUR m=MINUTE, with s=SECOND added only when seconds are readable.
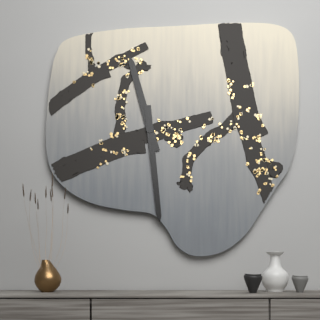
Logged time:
h=11 m=29
